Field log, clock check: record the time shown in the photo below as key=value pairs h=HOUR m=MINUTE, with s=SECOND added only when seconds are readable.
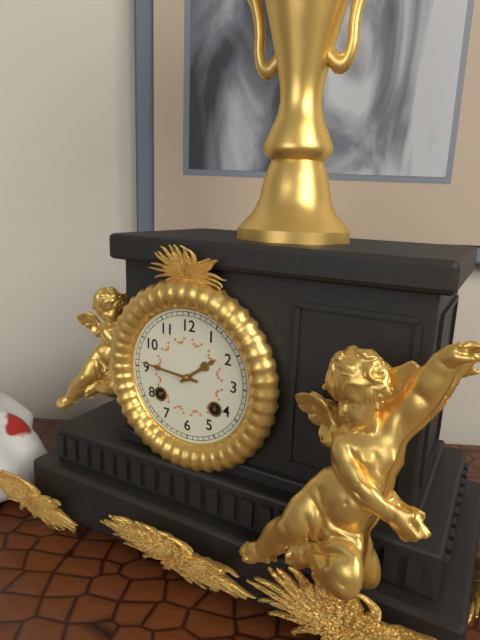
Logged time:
h=1 m=46
